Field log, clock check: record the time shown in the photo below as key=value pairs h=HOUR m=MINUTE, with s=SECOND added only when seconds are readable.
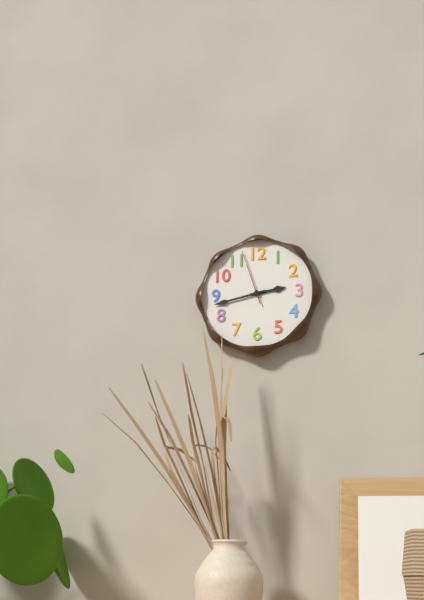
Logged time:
h=2 m=43 s=57
